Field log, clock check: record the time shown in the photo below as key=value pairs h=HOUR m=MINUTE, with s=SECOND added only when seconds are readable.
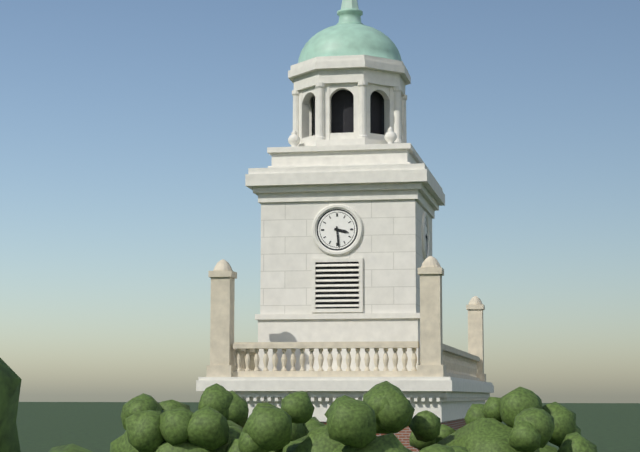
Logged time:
h=3 m=29
